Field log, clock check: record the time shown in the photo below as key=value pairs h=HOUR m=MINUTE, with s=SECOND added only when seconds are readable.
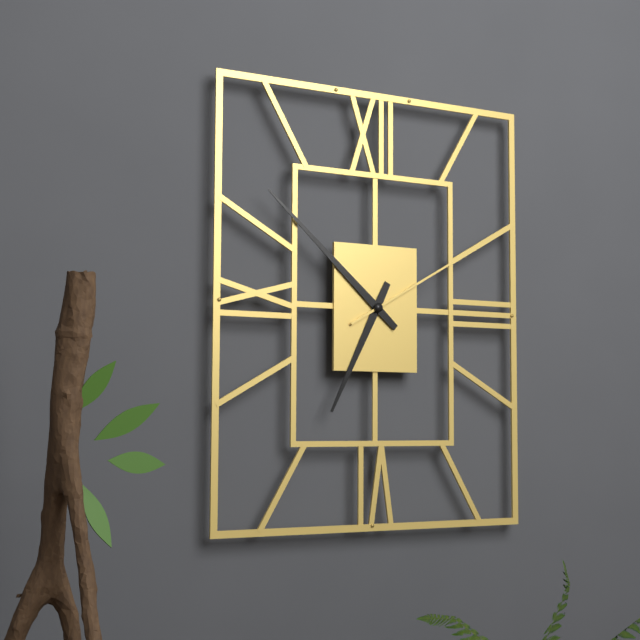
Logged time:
h=6 m=52 s=10
